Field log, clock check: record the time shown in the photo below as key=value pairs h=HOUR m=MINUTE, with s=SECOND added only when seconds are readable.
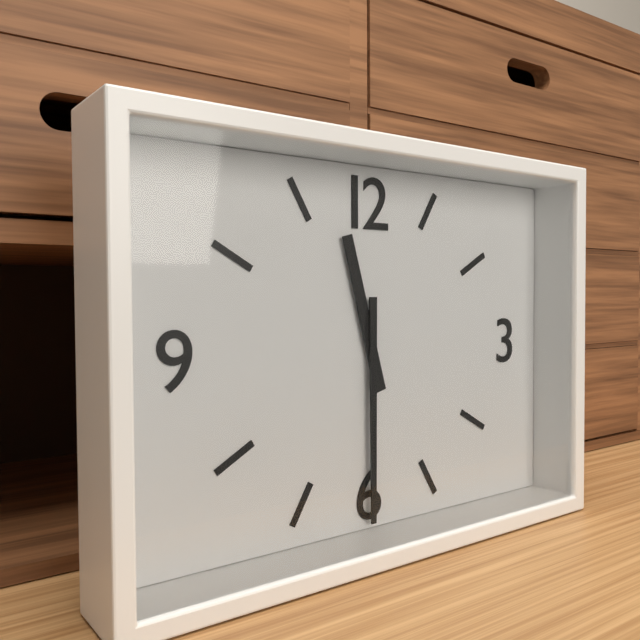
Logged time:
h=11 m=30
